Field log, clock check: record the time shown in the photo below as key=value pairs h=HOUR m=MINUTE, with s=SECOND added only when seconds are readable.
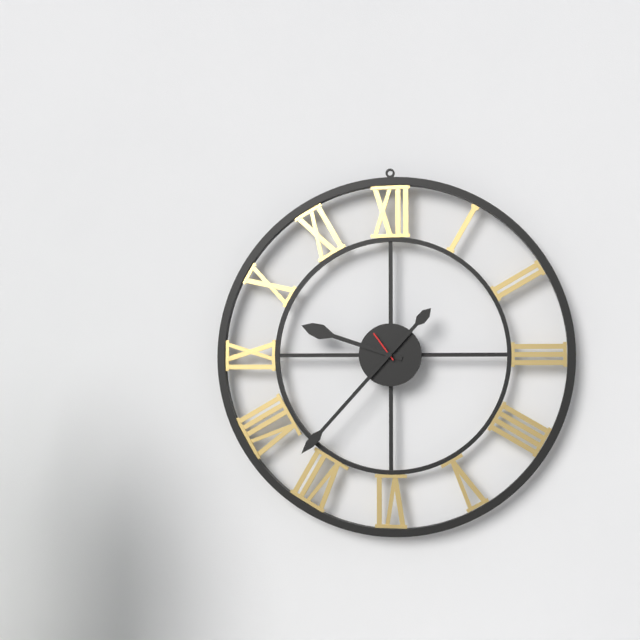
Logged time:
h=9 m=37
